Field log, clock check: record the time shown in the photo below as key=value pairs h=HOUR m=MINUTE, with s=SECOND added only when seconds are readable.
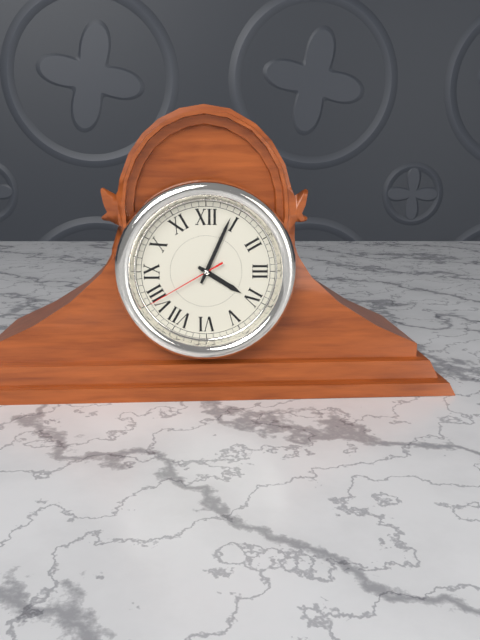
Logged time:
h=4 m=4 s=40
